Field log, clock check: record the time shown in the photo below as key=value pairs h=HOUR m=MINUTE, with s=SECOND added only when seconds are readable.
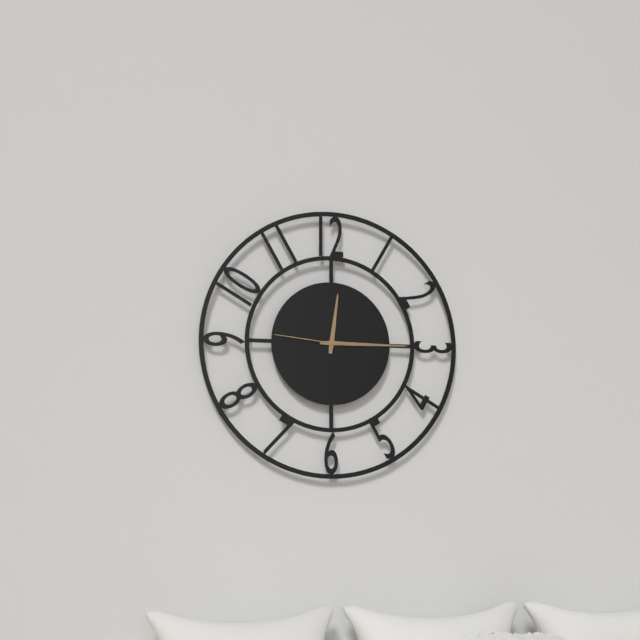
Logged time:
h=12 m=15 s=46
